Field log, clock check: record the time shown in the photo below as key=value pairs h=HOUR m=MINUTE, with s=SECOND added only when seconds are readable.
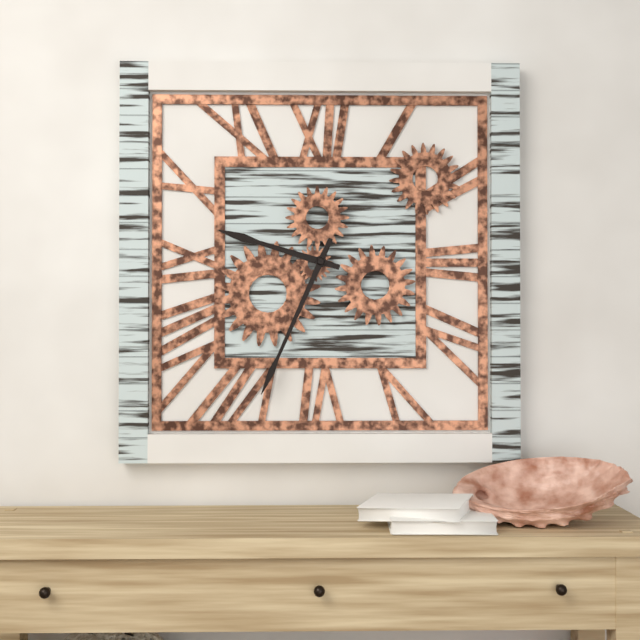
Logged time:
h=9 m=34
